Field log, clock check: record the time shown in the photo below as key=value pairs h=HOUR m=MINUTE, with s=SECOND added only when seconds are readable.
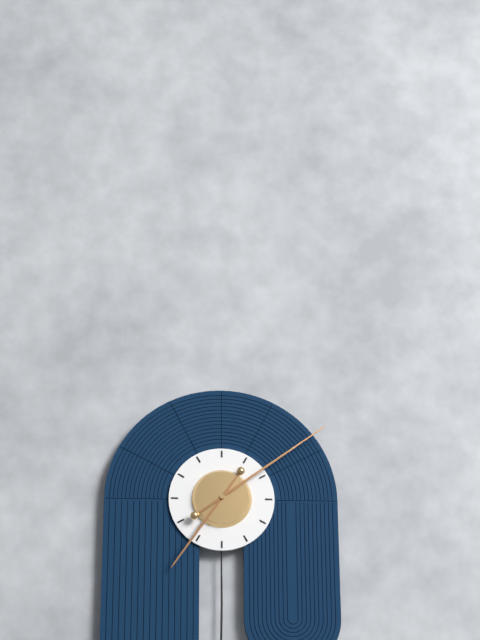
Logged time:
h=7 m=9
